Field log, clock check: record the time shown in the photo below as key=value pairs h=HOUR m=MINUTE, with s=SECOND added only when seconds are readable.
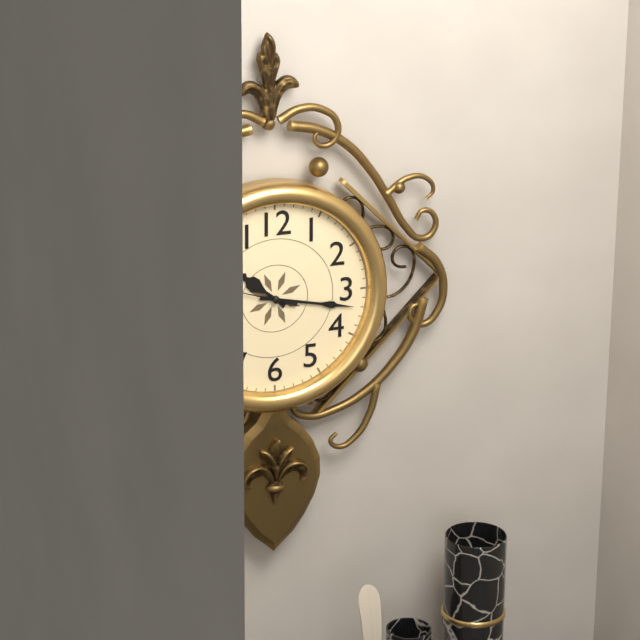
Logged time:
h=10 m=17
